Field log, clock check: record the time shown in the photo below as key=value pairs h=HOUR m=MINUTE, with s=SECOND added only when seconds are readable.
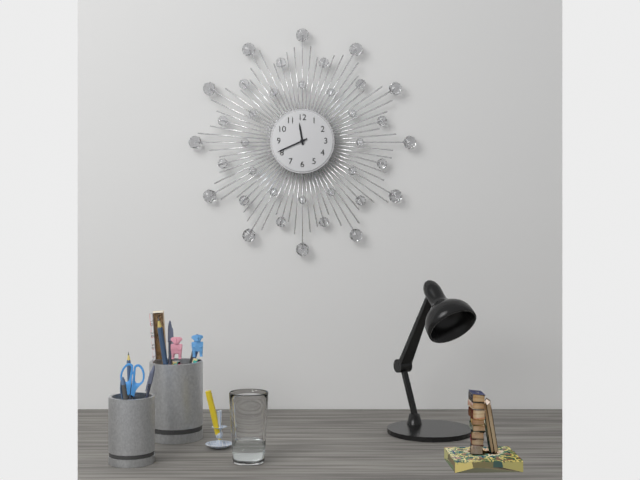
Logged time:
h=11 m=41
